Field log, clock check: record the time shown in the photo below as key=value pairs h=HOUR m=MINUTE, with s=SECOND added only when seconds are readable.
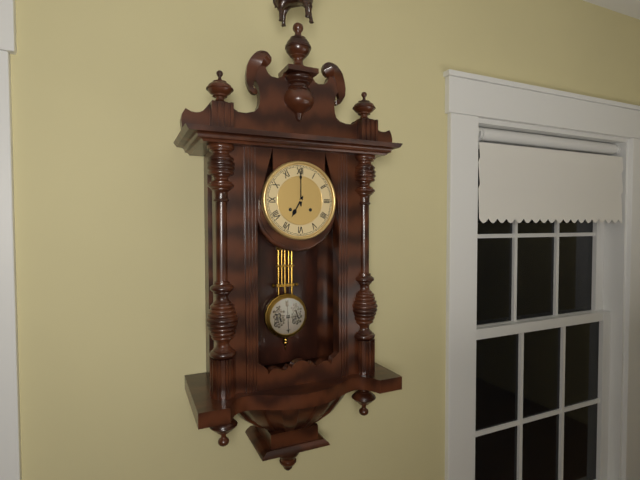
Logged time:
h=7 m=0
